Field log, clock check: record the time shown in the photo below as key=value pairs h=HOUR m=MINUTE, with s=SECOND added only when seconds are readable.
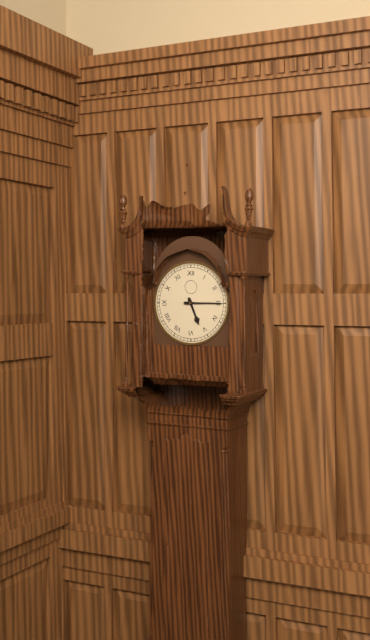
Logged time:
h=5 m=15
